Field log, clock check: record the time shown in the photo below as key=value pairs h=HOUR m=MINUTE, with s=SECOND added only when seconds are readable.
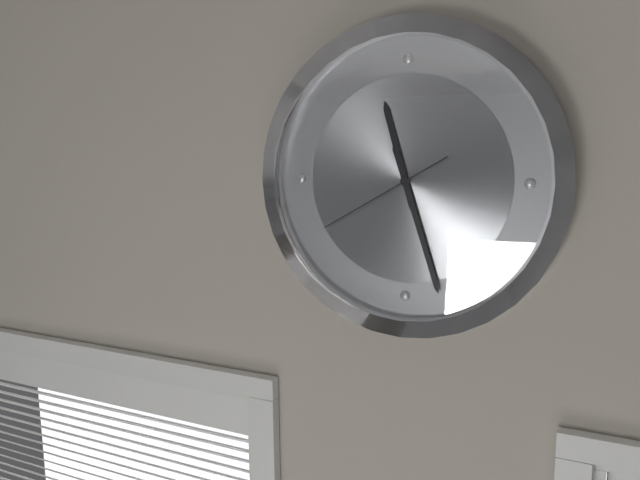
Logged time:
h=11 m=27 s=40
